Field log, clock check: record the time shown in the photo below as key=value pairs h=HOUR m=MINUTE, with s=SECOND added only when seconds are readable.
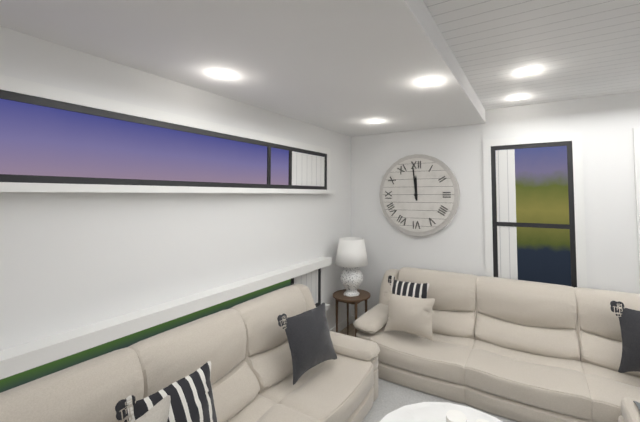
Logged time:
h=11 m=59
